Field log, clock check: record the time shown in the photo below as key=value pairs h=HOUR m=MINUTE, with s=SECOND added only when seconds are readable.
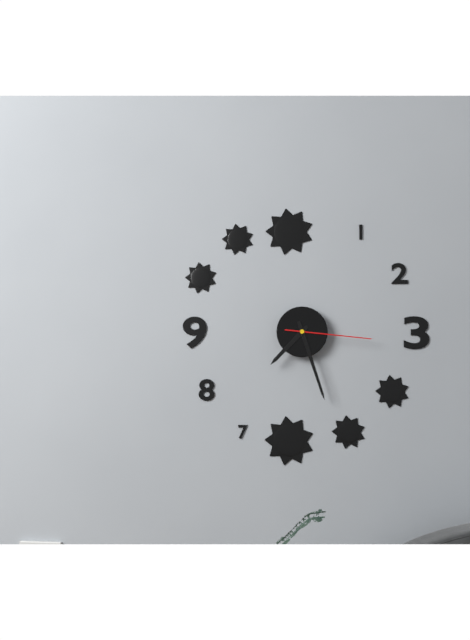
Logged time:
h=7 m=27 s=16
